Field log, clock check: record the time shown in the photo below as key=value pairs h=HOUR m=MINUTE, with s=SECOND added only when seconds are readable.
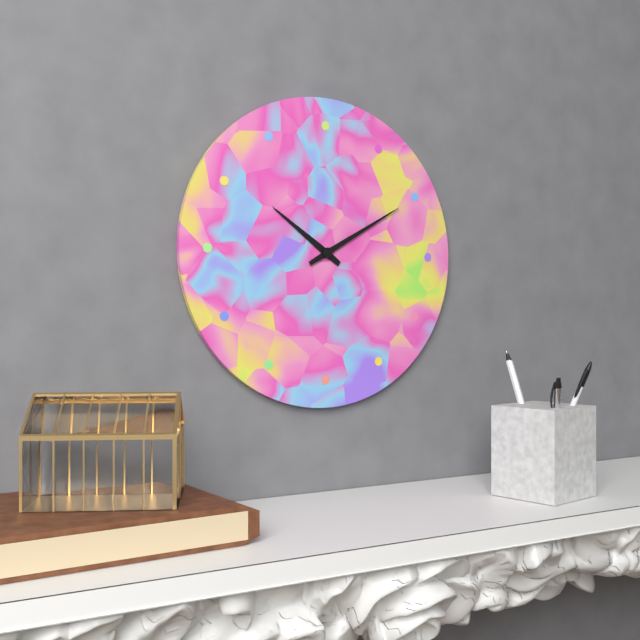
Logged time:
h=10 m=10
